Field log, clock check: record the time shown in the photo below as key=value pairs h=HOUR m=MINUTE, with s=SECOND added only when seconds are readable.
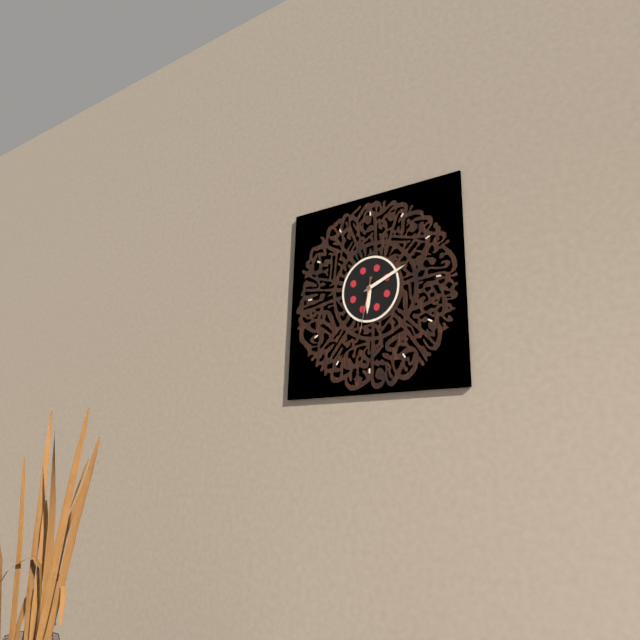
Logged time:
h=6 m=11 s=32
